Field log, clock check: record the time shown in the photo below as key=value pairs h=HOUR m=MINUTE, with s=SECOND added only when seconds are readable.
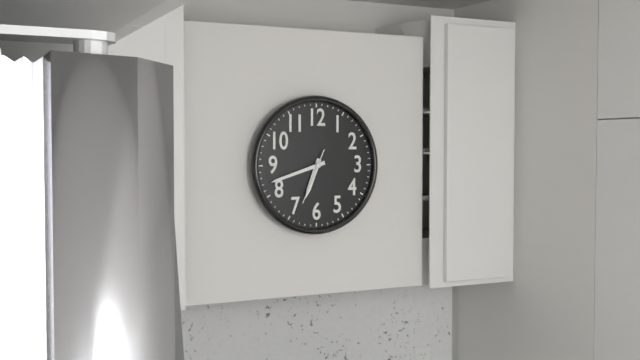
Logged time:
h=6 m=42
